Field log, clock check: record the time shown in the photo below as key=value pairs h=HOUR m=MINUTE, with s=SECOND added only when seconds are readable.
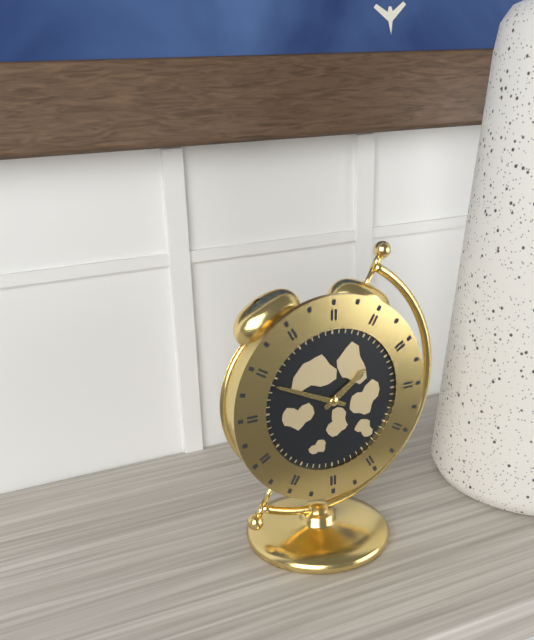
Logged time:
h=1 m=49
